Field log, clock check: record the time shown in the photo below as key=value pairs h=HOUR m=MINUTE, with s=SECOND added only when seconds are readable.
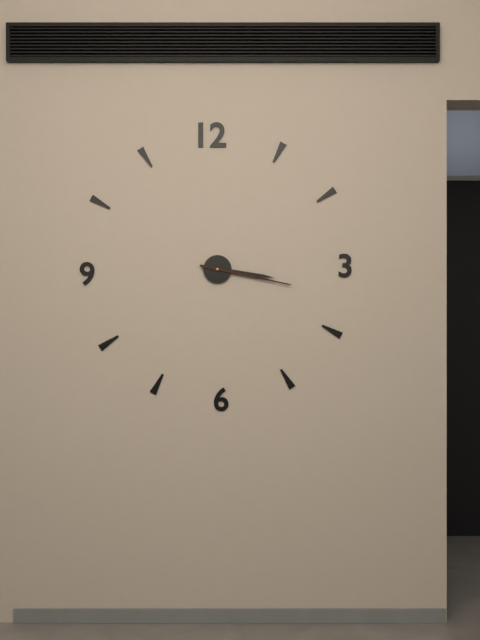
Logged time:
h=3 m=17
